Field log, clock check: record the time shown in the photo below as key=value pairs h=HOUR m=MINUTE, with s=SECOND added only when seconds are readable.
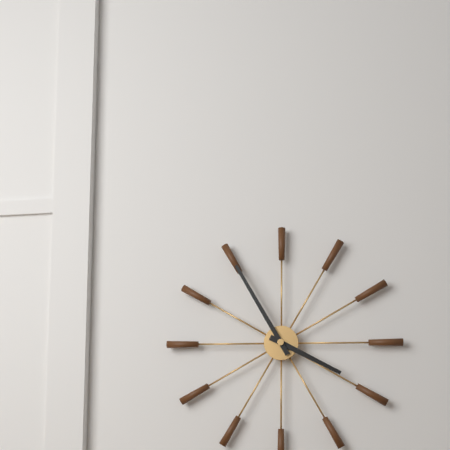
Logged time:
h=3 m=55
